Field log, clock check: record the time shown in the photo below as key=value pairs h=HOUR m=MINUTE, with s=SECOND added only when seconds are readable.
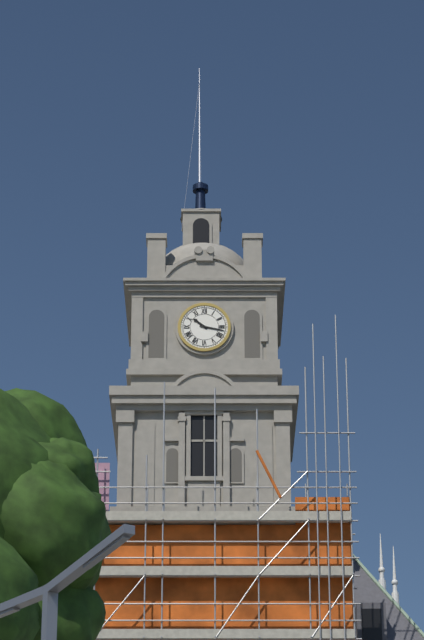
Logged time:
h=10 m=17
